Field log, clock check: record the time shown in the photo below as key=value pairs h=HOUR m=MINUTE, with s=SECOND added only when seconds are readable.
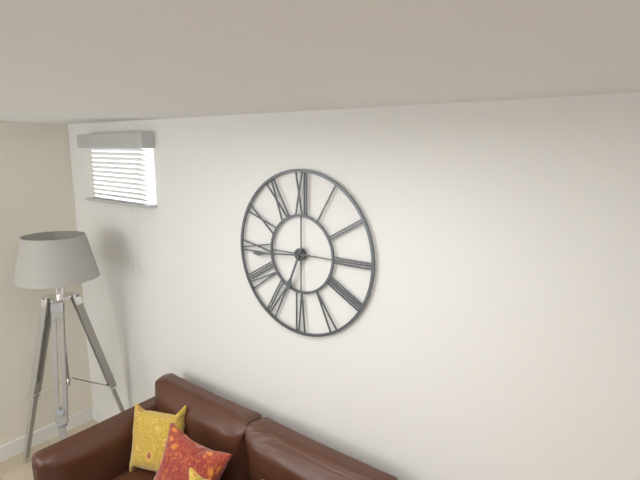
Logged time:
h=6 m=44
